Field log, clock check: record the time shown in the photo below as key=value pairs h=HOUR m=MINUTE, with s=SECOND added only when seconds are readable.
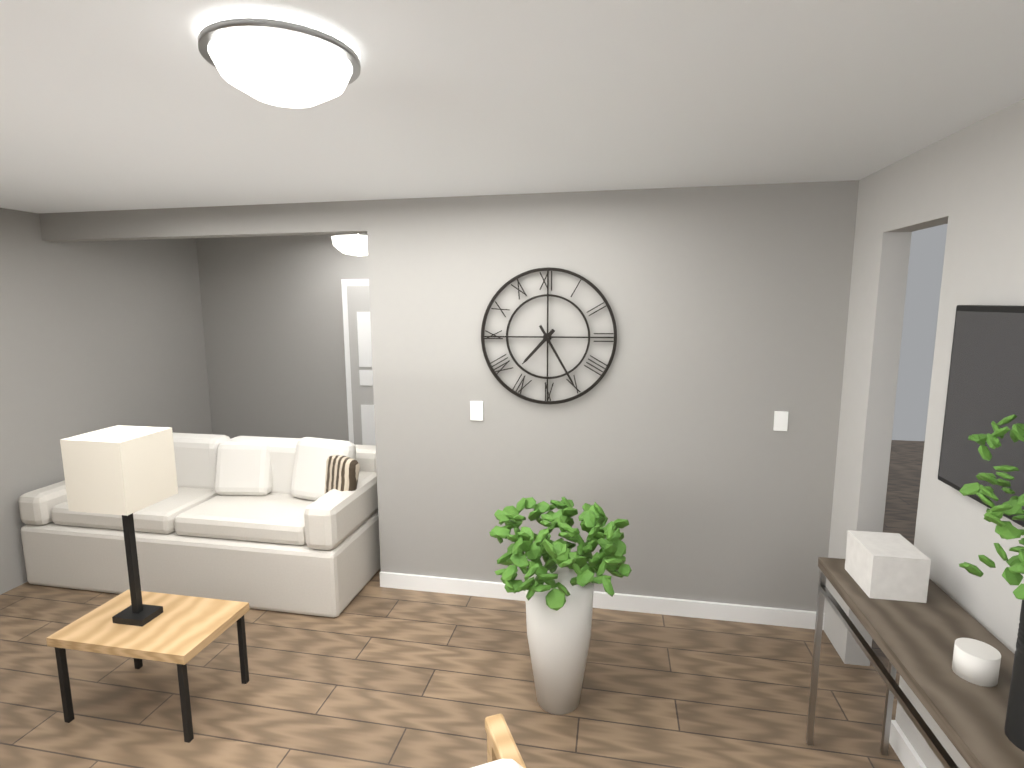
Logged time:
h=7 m=25
